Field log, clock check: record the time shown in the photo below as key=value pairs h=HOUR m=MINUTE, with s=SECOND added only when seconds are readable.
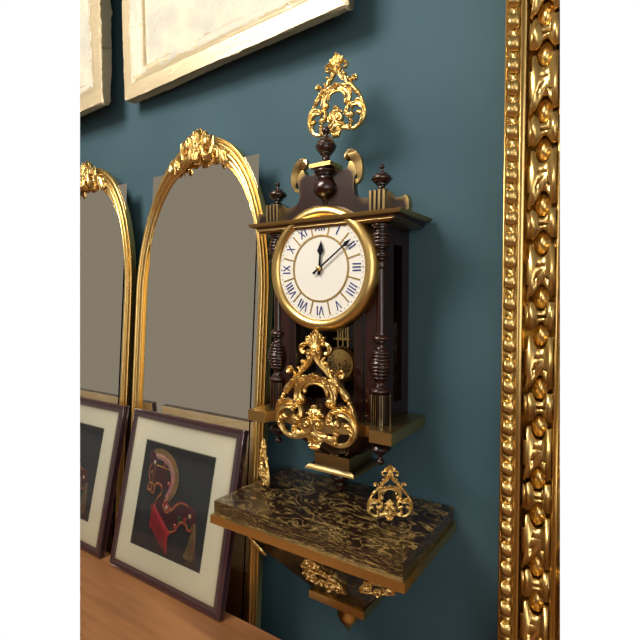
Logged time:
h=12 m=9
